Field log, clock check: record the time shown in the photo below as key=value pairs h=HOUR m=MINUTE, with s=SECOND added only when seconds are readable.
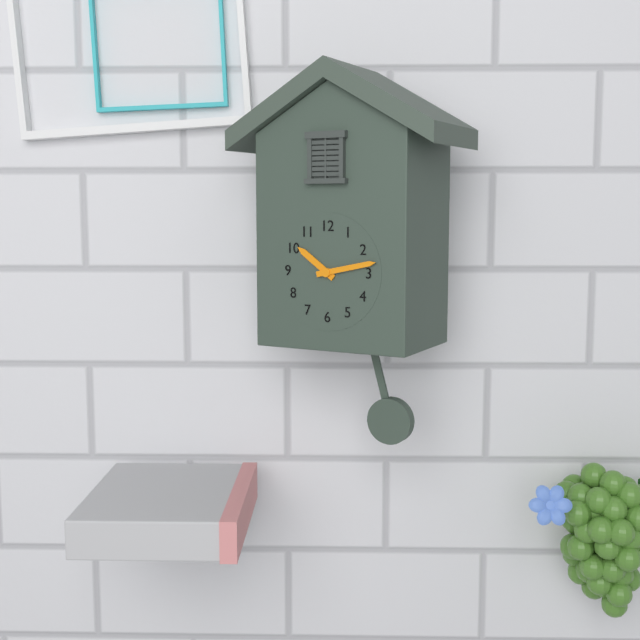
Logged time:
h=10 m=13
